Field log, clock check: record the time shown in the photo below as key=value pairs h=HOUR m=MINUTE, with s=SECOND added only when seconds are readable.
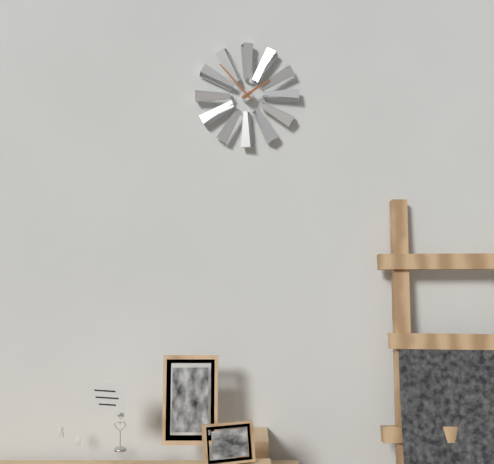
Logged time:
h=1 m=53
